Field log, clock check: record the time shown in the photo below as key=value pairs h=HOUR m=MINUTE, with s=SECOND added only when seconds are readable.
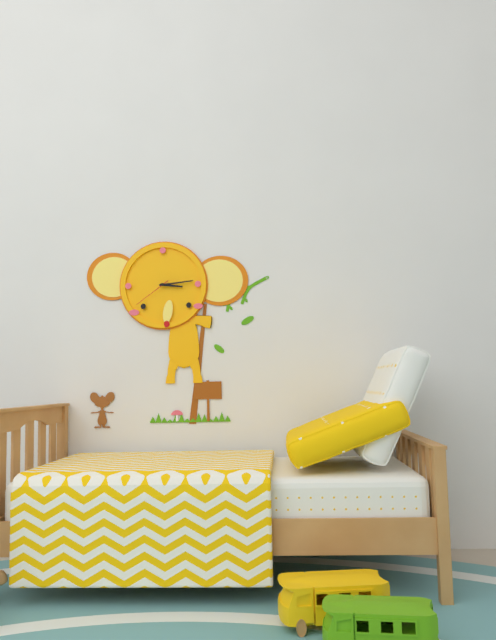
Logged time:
h=3 m=14
